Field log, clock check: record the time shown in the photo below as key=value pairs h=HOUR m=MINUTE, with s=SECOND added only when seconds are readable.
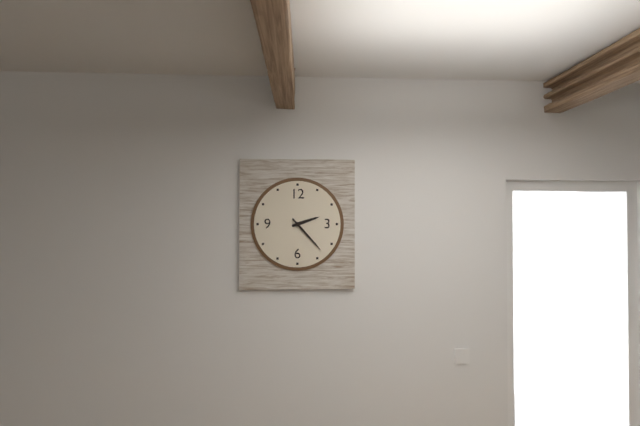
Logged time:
h=2 m=23
